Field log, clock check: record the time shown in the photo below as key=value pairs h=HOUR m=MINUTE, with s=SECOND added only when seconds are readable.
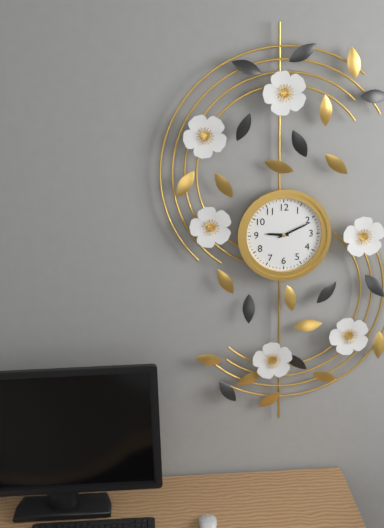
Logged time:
h=9 m=11
